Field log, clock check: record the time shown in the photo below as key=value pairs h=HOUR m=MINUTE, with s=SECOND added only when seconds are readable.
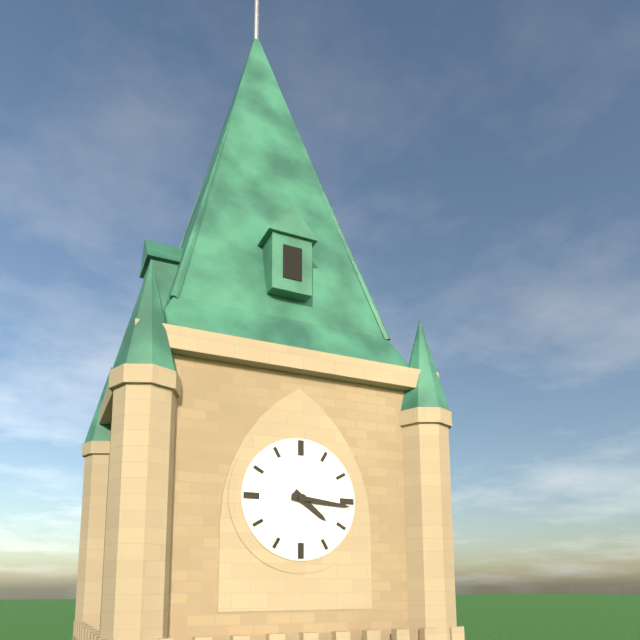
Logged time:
h=4 m=16
